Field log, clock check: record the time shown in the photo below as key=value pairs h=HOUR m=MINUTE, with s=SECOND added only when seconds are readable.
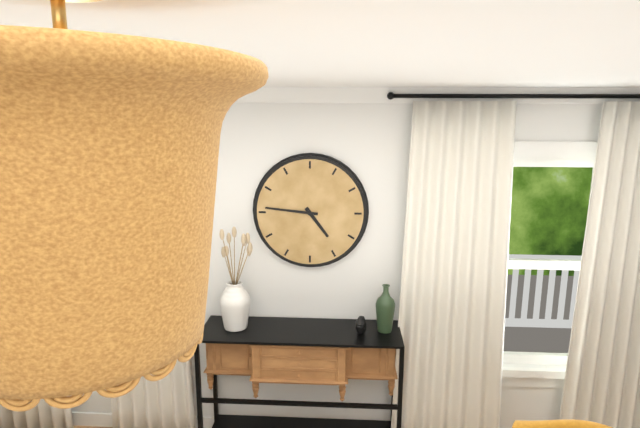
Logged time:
h=4 m=46
